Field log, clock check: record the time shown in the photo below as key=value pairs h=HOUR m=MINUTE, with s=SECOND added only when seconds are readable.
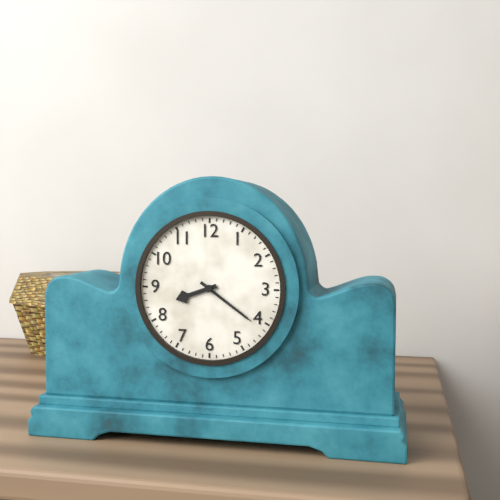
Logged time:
h=8 m=21
